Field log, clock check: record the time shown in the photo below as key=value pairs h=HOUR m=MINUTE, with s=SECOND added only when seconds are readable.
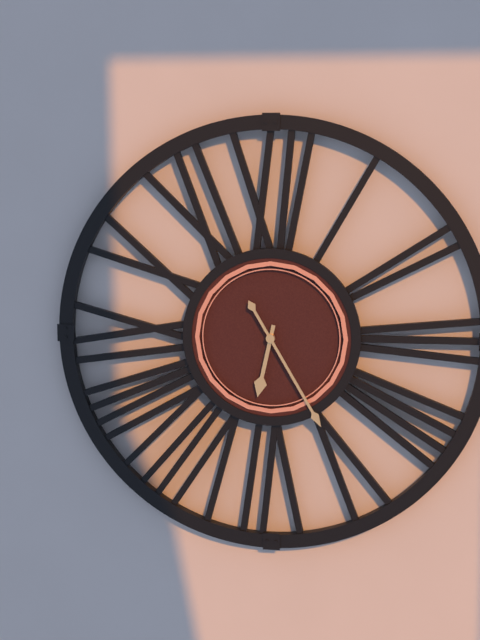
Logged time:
h=6 m=25
